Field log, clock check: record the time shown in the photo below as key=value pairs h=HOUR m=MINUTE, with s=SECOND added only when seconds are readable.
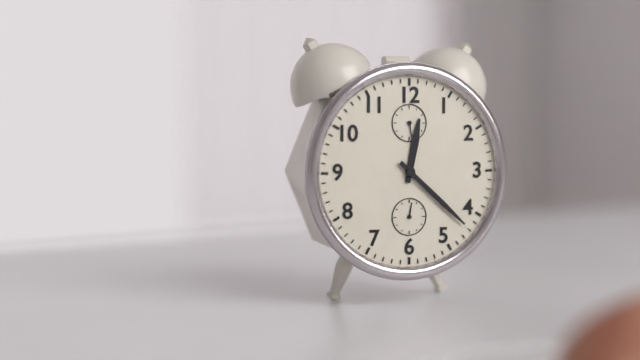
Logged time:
h=12 m=22
